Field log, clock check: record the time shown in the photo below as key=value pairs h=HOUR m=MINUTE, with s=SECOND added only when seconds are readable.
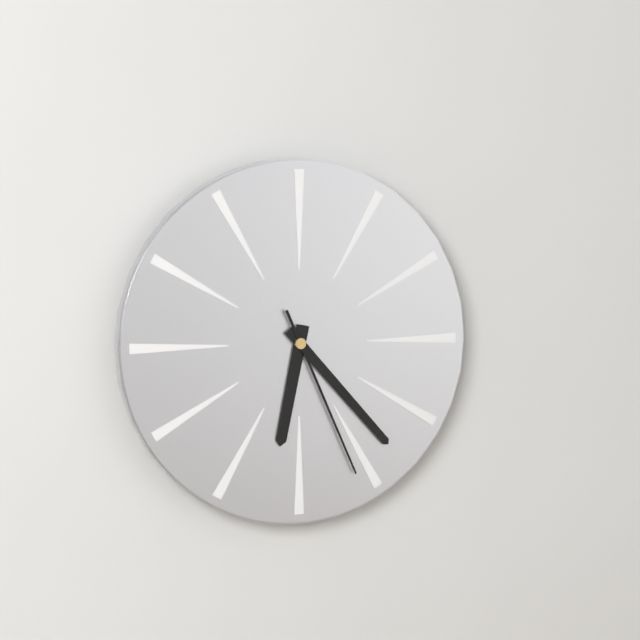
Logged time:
h=6 m=23 s=26
